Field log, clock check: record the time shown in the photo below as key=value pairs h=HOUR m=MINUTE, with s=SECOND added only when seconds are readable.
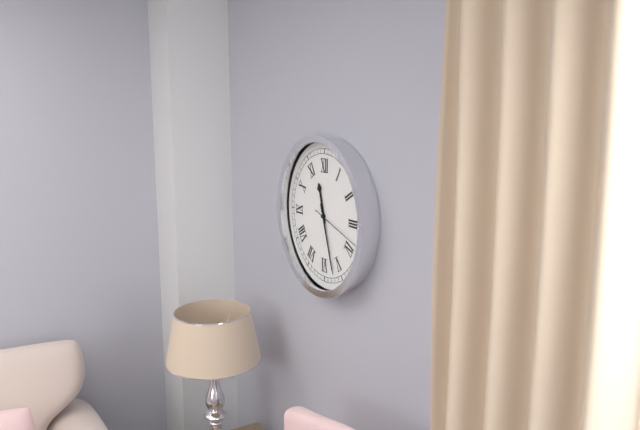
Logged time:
h=11 m=27 s=18
